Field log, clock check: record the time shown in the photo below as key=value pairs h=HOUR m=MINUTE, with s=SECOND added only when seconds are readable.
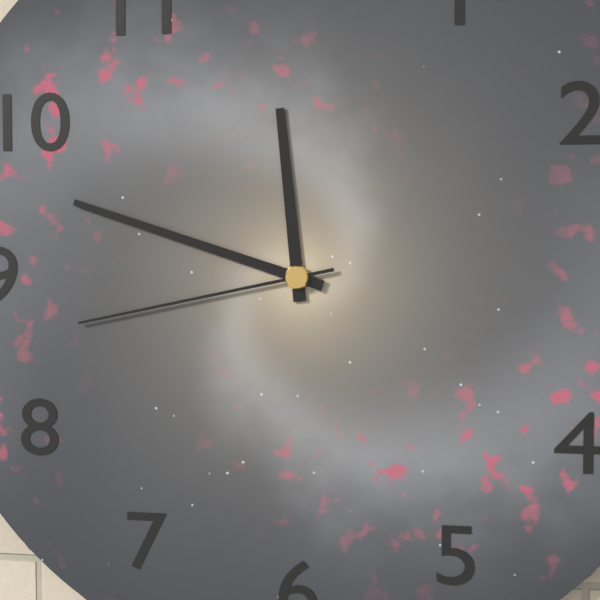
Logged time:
h=11 m=48 s=43
